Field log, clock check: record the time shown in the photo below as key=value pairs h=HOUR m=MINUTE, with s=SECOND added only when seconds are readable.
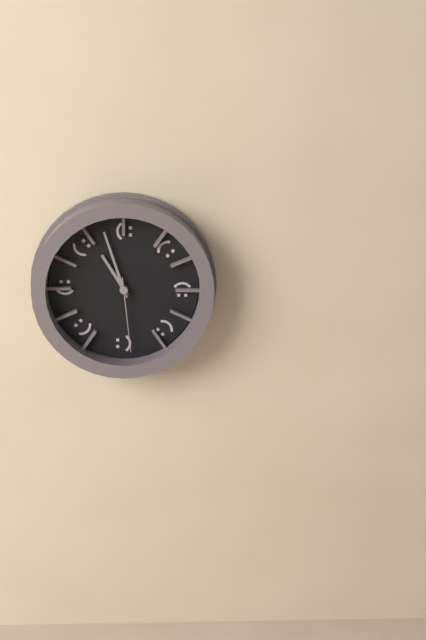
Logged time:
h=10 m=57 s=29
